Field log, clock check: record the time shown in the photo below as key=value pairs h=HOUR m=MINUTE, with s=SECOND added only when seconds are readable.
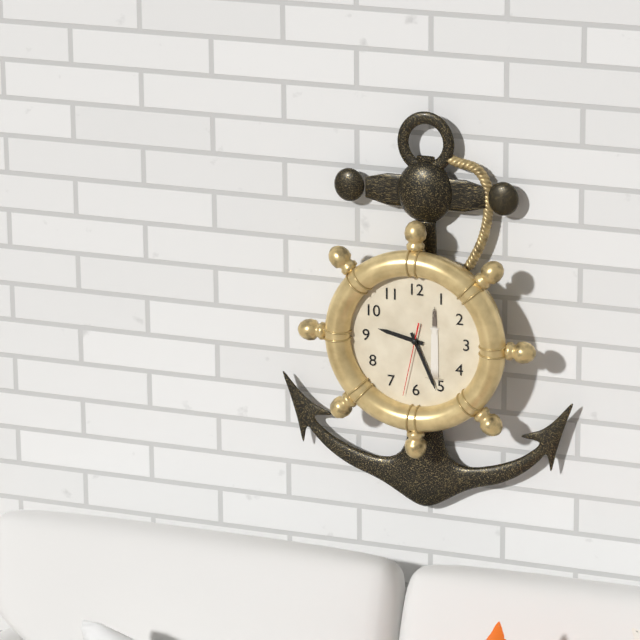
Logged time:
h=9 m=26 s=32
